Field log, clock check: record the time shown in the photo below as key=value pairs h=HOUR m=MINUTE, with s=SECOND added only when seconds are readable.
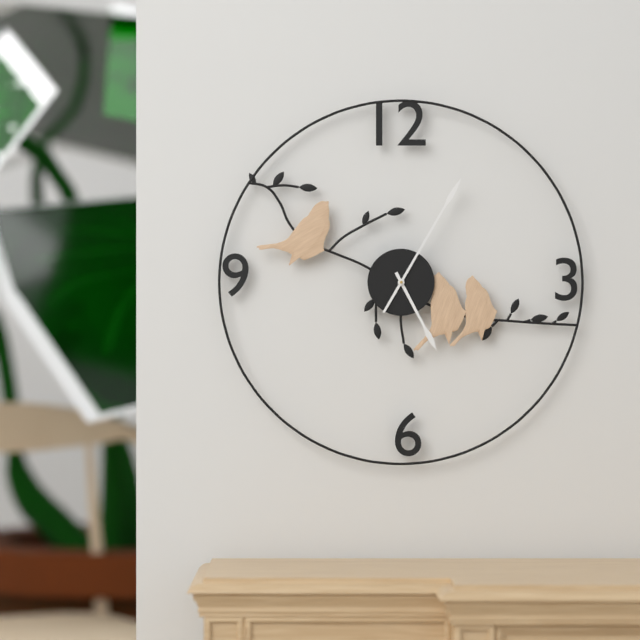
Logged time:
h=5 m=5
